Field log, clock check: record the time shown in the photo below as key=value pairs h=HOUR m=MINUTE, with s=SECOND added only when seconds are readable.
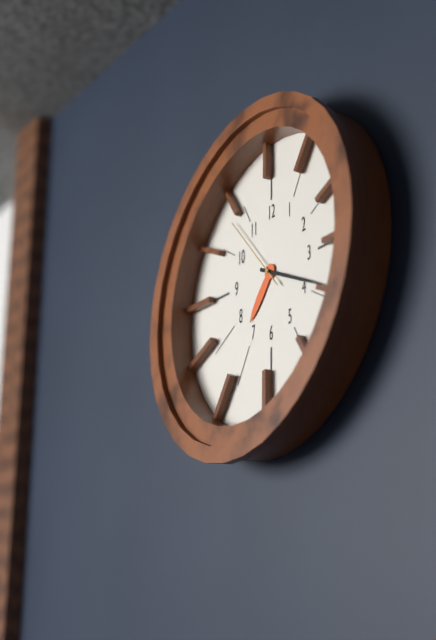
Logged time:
h=7 m=19 s=53
